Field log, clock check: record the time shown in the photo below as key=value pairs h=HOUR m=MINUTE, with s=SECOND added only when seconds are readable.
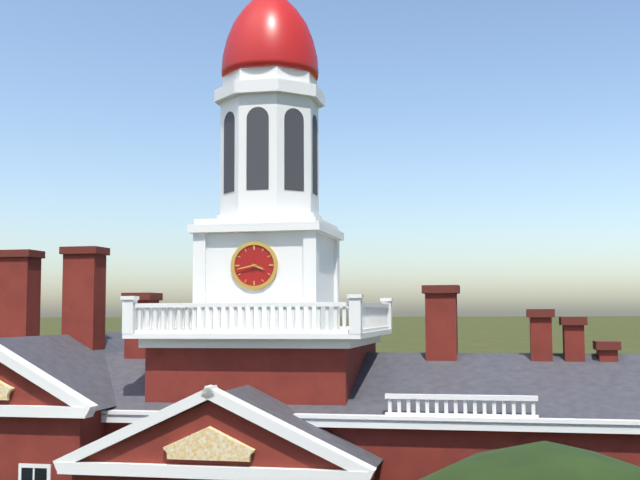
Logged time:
h=3 m=43
